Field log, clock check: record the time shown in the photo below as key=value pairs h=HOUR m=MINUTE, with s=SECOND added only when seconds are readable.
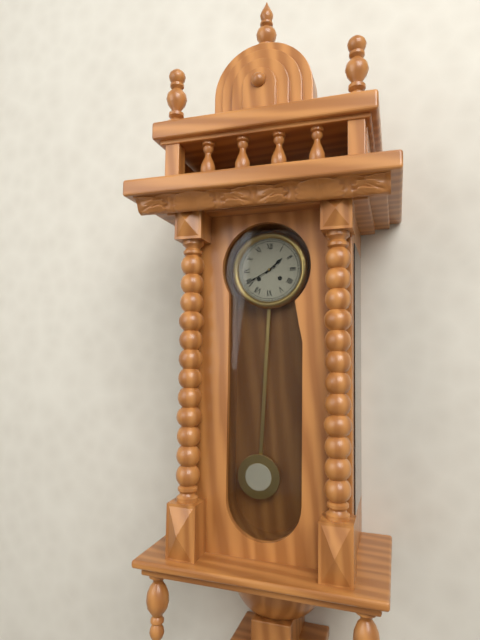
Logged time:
h=1 m=40
